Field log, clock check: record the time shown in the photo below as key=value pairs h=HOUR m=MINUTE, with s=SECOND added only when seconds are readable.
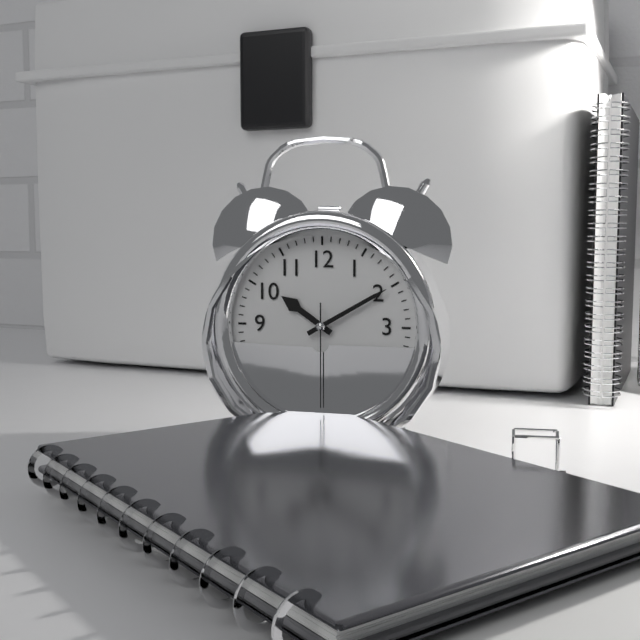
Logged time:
h=10 m=10 s=30
